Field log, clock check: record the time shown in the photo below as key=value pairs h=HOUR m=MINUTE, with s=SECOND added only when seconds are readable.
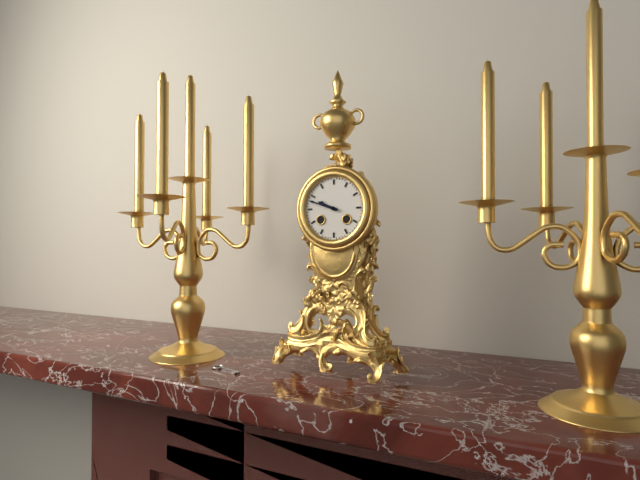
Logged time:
h=9 m=48
